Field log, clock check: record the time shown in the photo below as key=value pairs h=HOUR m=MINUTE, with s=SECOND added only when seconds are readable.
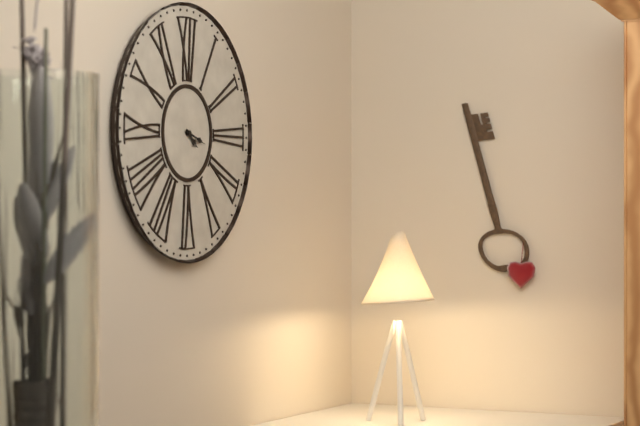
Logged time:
h=4 m=18
